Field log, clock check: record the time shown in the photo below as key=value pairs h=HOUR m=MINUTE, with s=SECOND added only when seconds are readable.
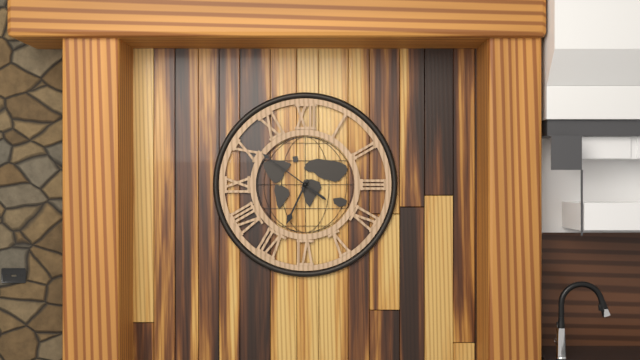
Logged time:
h=6 m=51
